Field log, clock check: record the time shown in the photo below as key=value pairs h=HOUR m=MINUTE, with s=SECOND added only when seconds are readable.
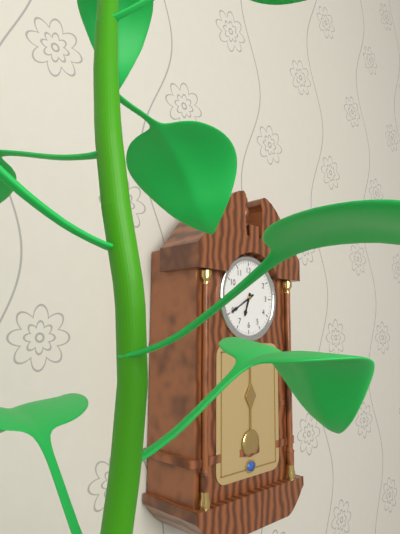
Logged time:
h=6 m=40
